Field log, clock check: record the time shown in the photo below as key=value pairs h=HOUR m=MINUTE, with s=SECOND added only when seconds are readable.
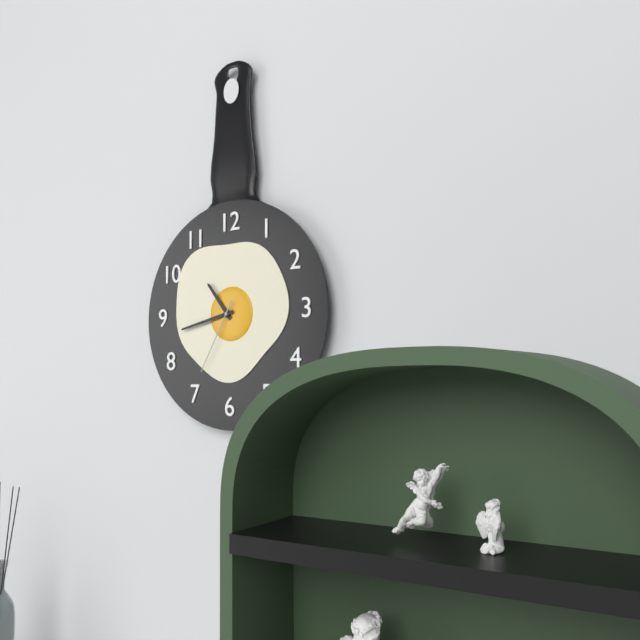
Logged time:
h=10 m=43 s=35
